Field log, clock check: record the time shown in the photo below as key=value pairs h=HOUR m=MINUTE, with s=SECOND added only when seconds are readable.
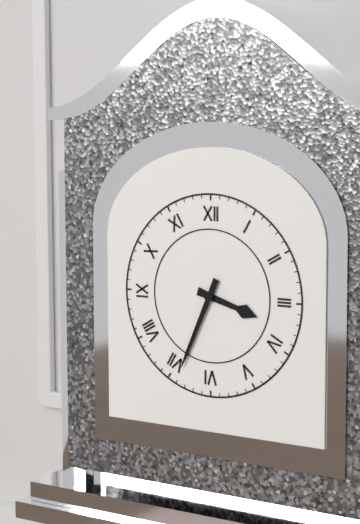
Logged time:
h=3 m=34
